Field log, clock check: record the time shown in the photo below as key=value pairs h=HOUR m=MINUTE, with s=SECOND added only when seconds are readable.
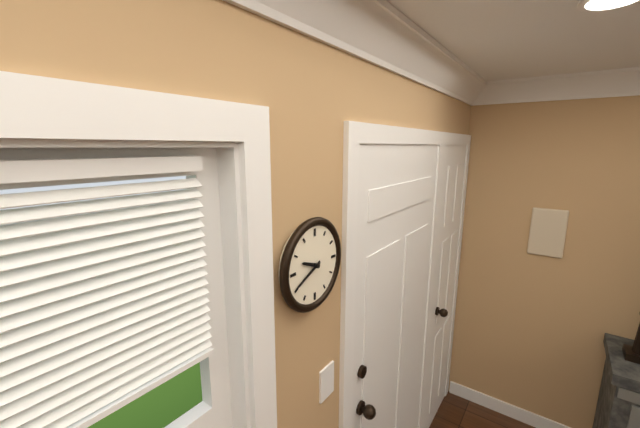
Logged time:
h=9 m=41
